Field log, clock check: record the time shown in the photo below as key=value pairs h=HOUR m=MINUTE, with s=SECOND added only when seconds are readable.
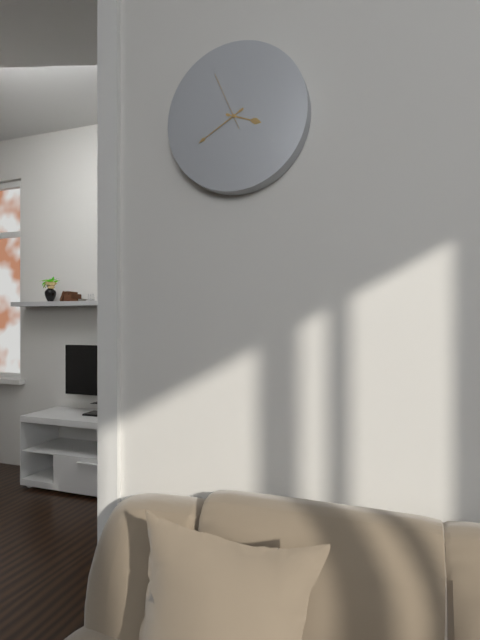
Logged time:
h=3 m=40 s=56
